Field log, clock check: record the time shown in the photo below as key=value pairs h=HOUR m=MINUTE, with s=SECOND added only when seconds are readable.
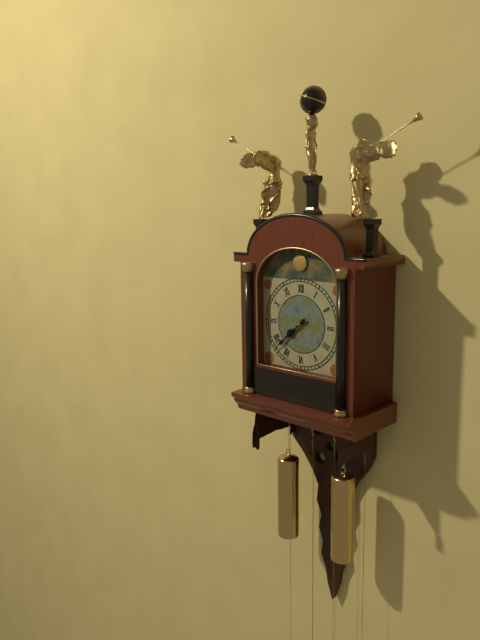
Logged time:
h=7 m=38
